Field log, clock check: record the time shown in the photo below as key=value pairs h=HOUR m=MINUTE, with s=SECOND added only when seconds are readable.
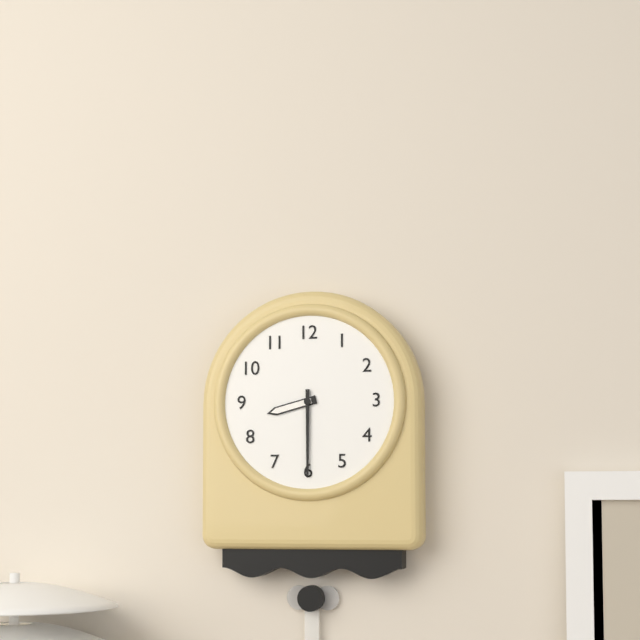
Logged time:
h=8 m=30
